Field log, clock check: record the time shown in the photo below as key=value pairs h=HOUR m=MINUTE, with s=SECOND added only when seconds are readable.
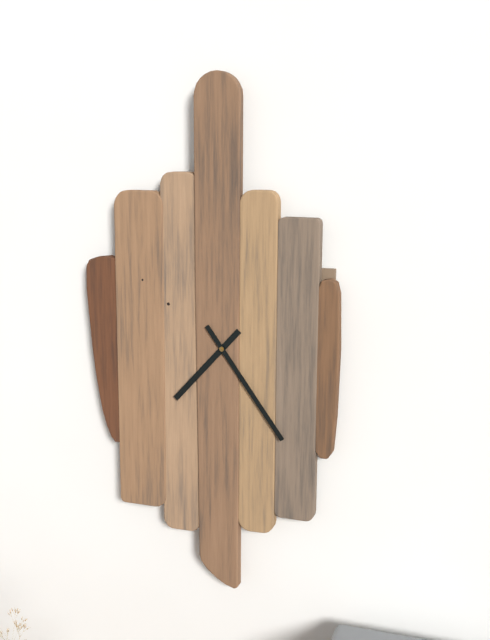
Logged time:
h=7 m=24
